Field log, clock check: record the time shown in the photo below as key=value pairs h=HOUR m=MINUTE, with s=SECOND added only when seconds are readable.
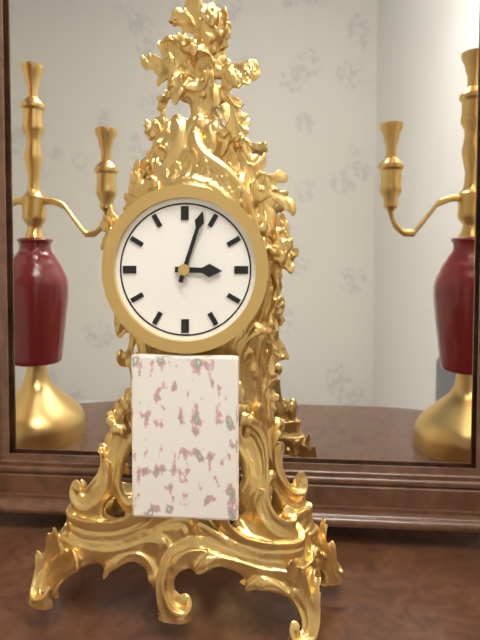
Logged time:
h=3 m=3
